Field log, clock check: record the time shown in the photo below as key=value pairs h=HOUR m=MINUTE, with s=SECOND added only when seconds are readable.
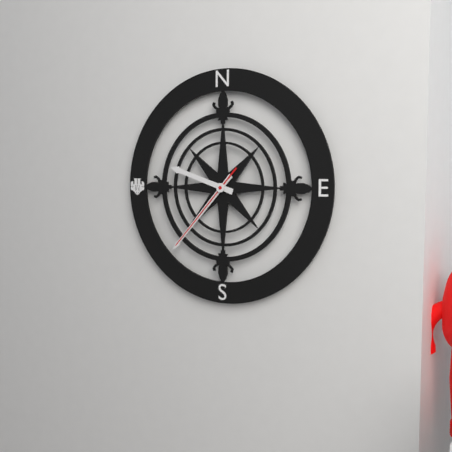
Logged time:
h=9 m=37 s=37
